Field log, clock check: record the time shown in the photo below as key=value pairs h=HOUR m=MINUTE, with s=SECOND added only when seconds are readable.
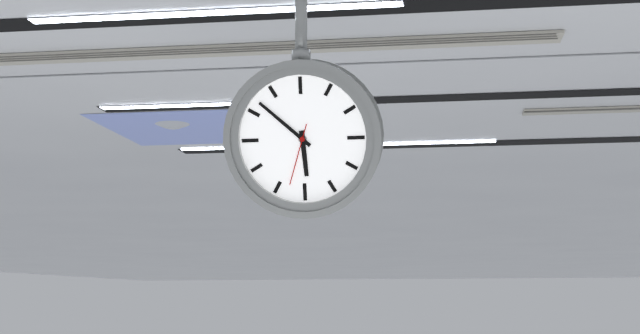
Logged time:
h=5 m=52 s=33
